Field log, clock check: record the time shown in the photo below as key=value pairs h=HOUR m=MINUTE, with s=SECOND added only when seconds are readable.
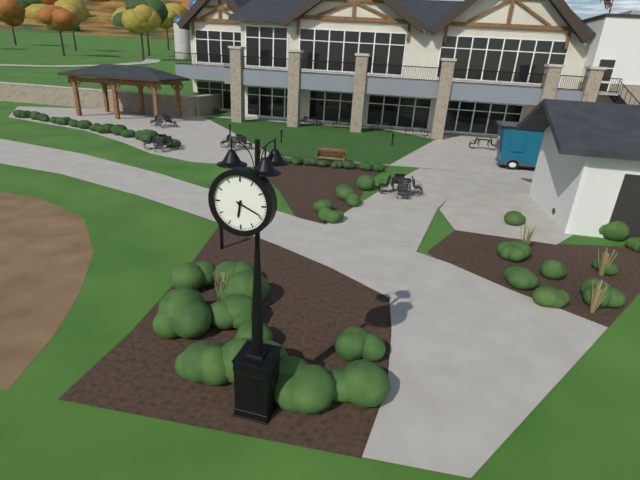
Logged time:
h=6 m=19
